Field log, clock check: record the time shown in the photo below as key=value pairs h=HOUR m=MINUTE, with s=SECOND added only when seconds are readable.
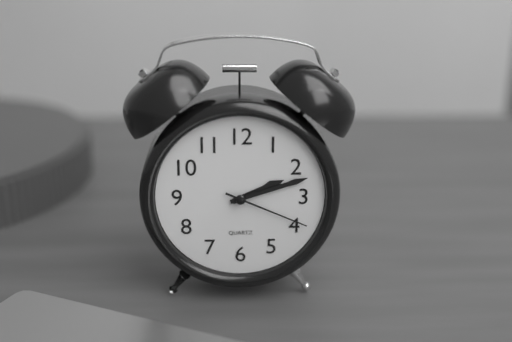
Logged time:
h=2 m=12 s=19
